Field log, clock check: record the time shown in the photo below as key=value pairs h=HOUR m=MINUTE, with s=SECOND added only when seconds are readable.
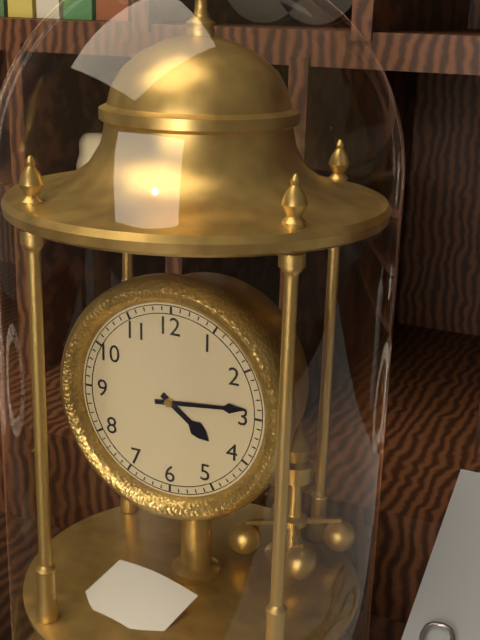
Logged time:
h=4 m=14
